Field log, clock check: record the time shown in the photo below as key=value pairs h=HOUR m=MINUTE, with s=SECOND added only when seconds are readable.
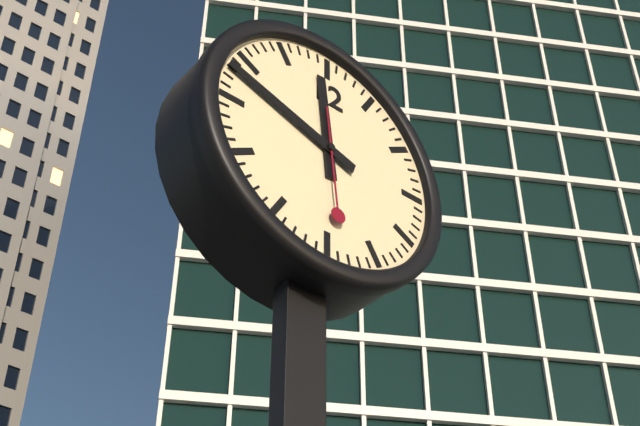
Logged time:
h=11 m=48 s=29
